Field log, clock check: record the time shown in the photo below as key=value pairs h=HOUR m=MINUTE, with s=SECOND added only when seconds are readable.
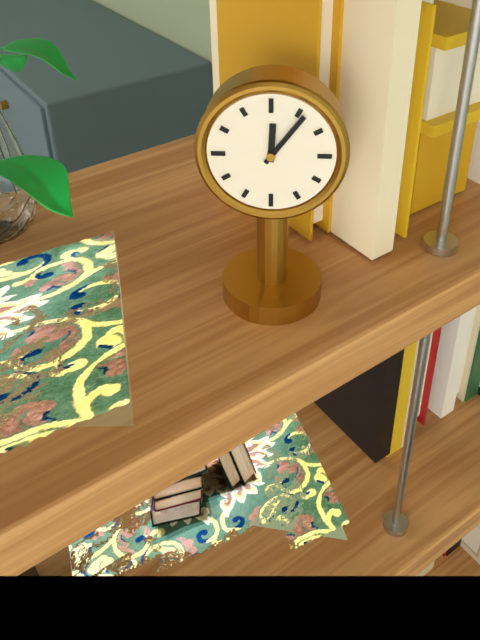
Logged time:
h=12 m=6
